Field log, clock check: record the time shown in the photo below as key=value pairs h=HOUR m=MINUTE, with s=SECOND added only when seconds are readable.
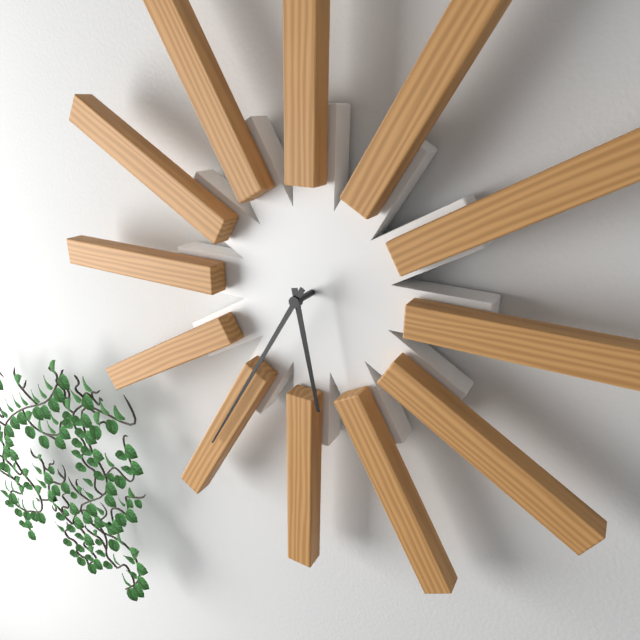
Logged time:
h=5 m=35
